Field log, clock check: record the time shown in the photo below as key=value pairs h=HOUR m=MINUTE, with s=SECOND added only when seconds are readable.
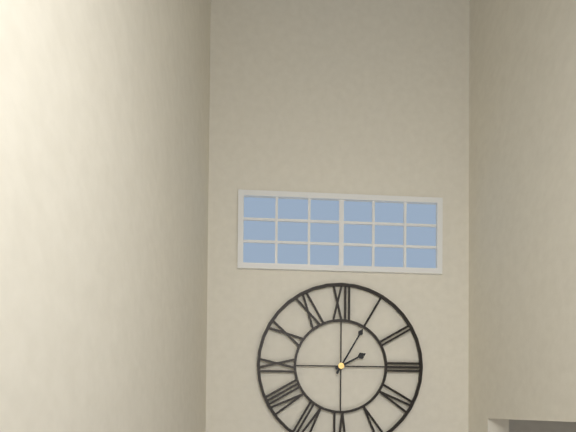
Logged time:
h=2 m=5
